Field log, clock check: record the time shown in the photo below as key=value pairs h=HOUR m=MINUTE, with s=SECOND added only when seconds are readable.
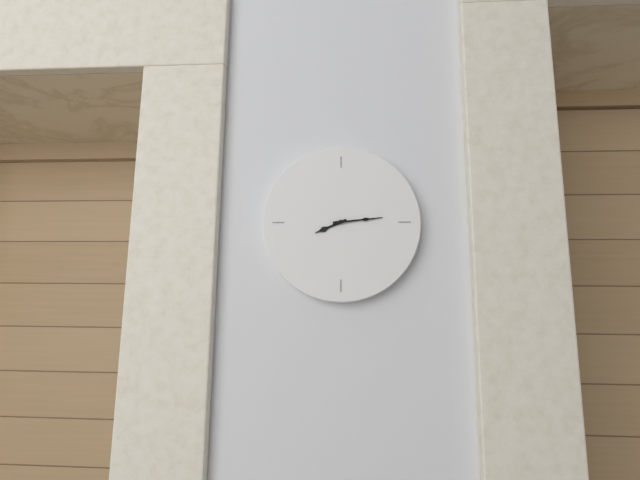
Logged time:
h=8 m=14
